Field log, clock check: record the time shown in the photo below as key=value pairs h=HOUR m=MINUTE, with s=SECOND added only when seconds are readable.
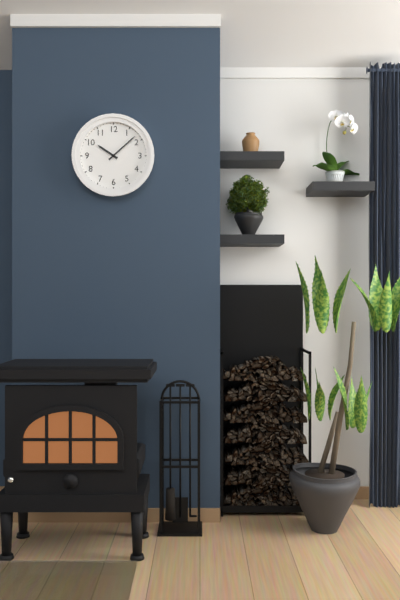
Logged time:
h=10 m=8
